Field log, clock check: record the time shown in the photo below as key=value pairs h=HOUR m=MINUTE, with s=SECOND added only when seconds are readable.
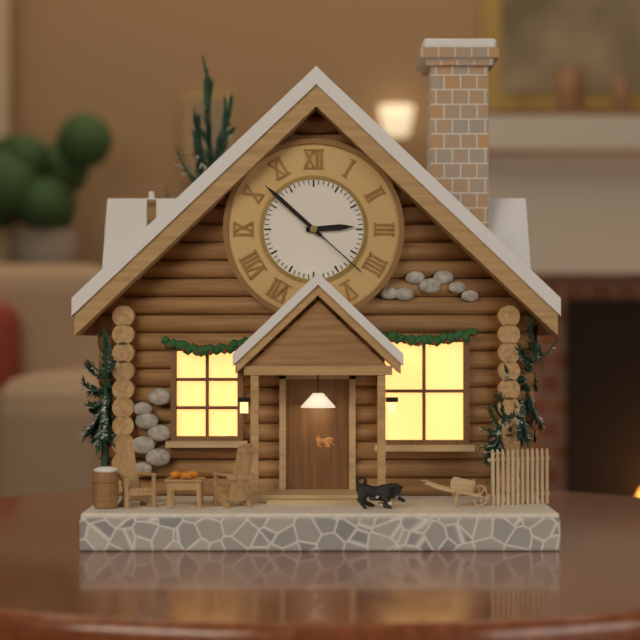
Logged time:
h=2 m=52 s=22
